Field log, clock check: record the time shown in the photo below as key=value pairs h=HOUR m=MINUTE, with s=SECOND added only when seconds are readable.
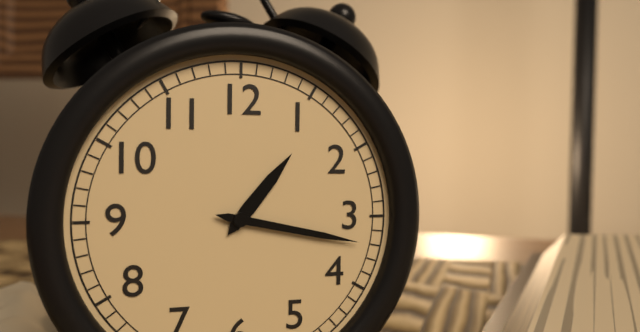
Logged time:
h=1 m=17
